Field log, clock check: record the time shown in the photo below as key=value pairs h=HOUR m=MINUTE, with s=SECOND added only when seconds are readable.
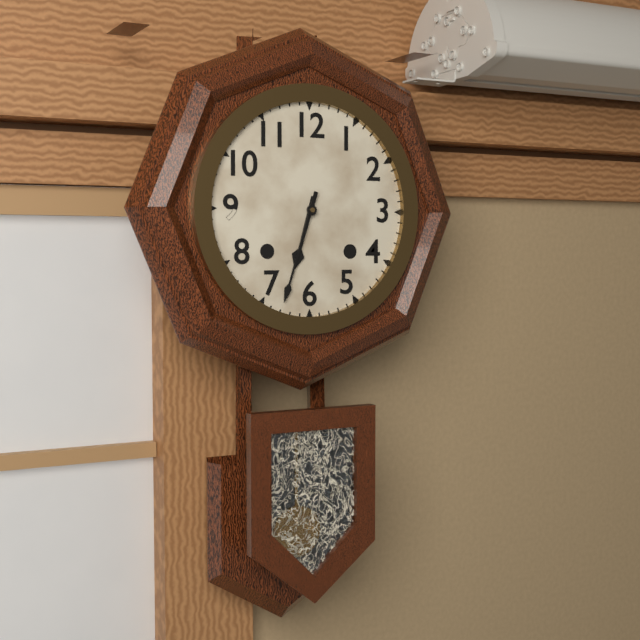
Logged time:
h=6 m=33
